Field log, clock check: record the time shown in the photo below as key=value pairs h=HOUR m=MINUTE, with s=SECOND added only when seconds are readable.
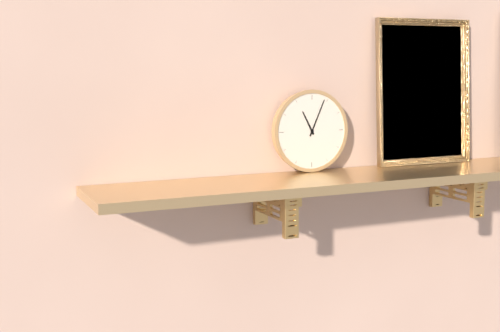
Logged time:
h=11 m=4
